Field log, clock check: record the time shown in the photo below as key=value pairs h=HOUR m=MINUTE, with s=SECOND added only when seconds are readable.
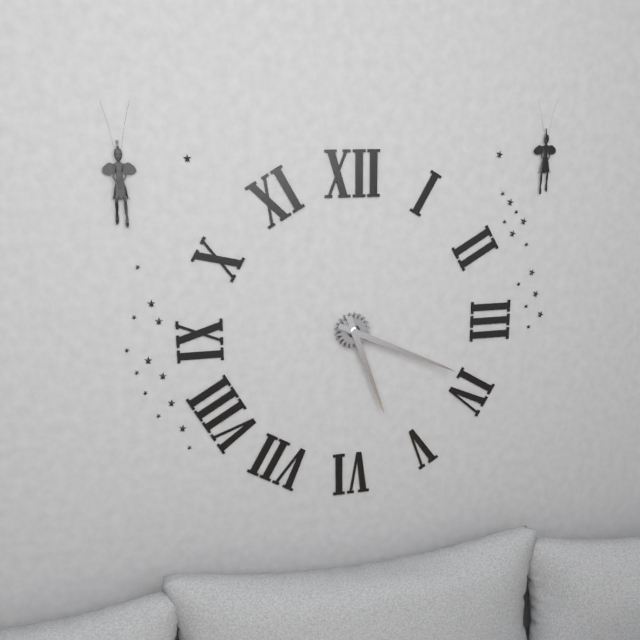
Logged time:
h=5 m=19
